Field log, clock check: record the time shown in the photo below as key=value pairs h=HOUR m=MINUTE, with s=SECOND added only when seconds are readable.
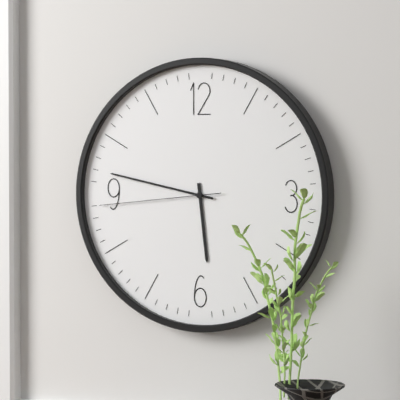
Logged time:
h=5 m=47 s=44
